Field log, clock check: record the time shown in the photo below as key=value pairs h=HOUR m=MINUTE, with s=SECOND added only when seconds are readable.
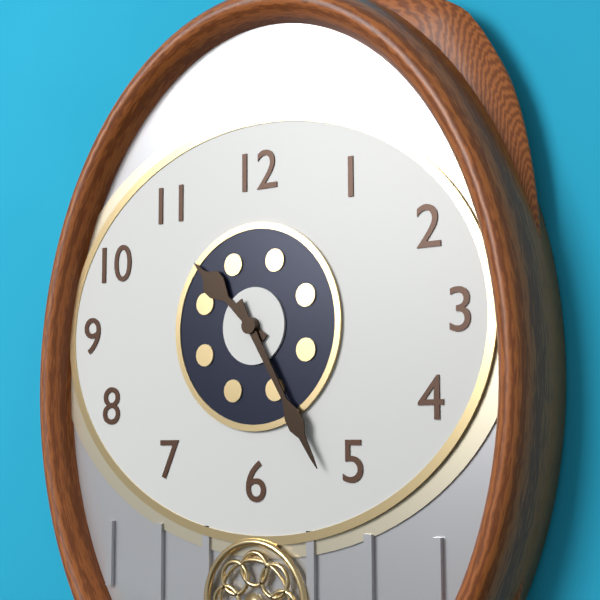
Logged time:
h=10 m=25
